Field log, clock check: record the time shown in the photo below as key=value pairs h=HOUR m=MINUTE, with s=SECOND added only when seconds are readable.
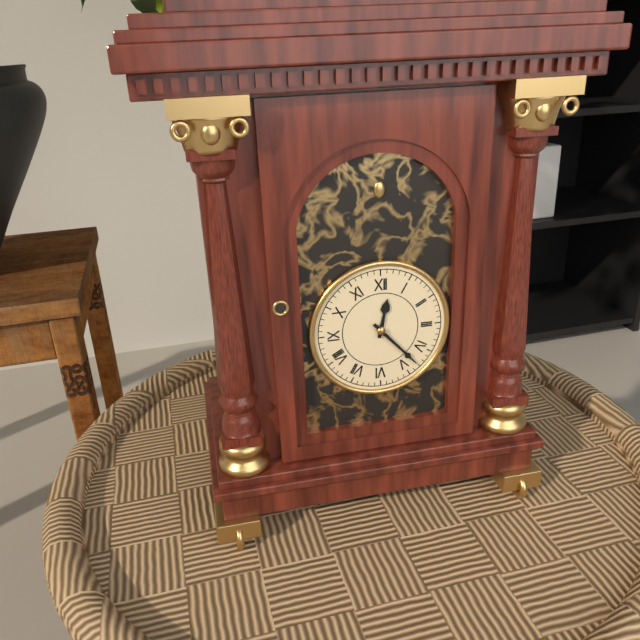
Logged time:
h=12 m=23
